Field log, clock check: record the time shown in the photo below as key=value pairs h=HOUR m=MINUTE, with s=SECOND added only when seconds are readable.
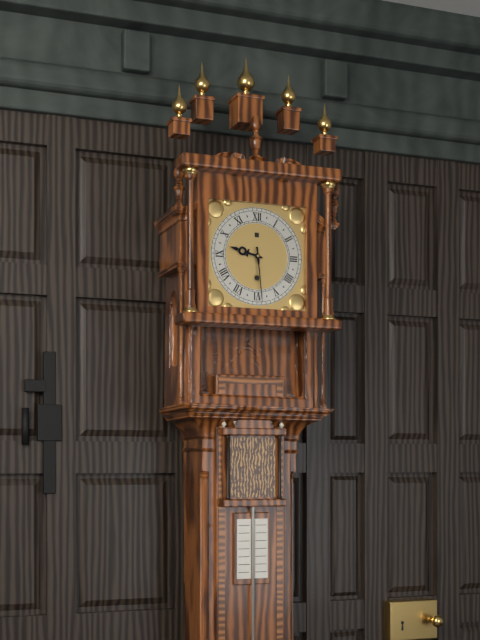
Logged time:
h=9 m=29
